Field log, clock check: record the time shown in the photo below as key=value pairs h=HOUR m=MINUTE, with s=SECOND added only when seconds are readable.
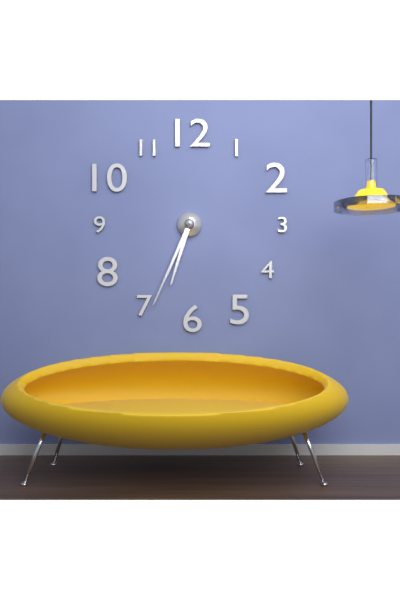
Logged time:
h=6 m=34
